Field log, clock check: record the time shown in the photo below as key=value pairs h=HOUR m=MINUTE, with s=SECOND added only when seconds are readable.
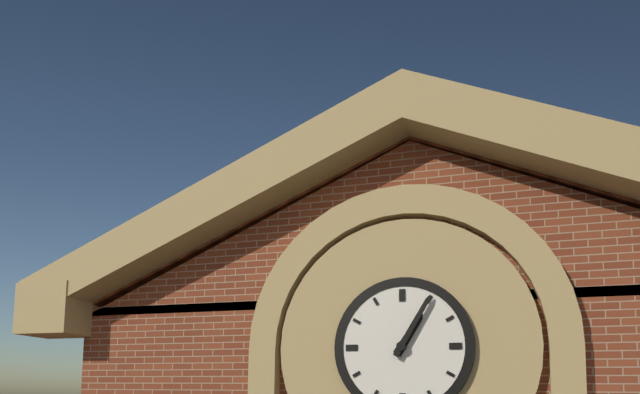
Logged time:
h=1 m=5
